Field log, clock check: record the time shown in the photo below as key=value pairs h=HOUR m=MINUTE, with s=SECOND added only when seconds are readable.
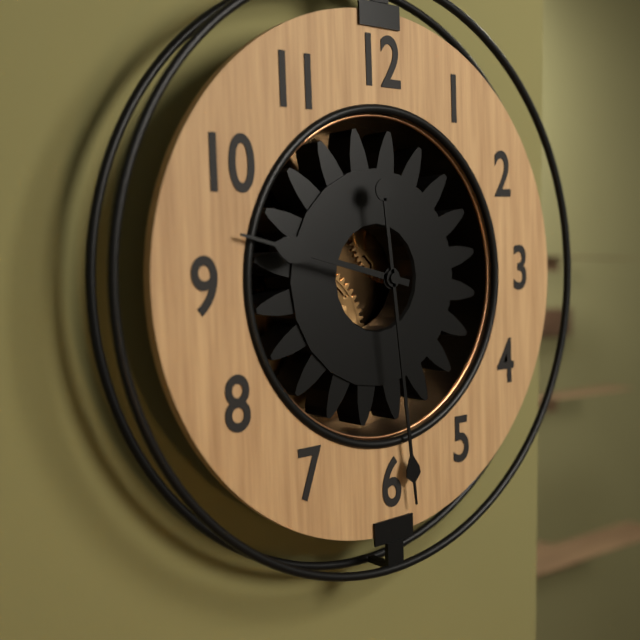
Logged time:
h=9 m=29
